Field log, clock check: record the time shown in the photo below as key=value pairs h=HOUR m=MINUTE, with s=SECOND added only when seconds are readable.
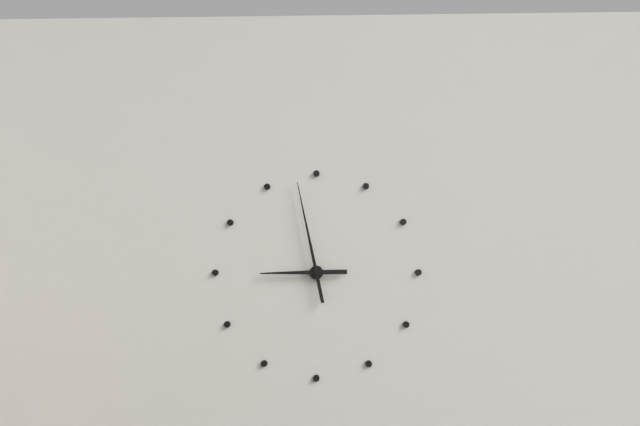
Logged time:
h=8 m=58
